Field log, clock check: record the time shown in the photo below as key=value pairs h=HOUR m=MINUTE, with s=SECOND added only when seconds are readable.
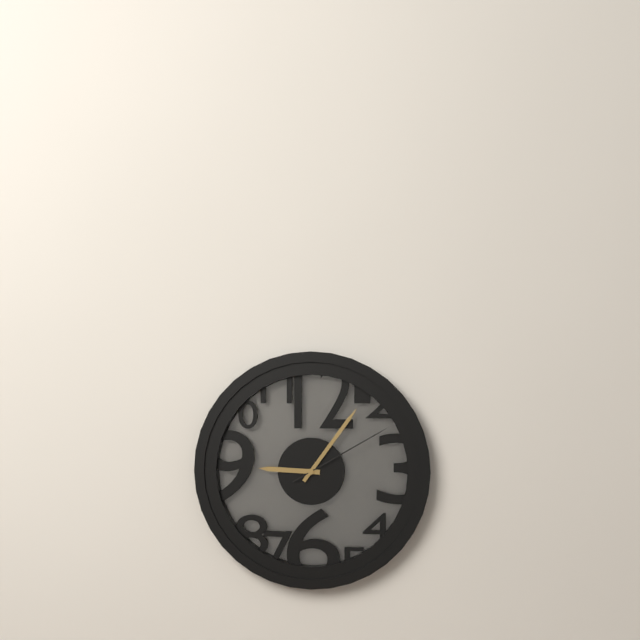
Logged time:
h=9 m=6 s=10
